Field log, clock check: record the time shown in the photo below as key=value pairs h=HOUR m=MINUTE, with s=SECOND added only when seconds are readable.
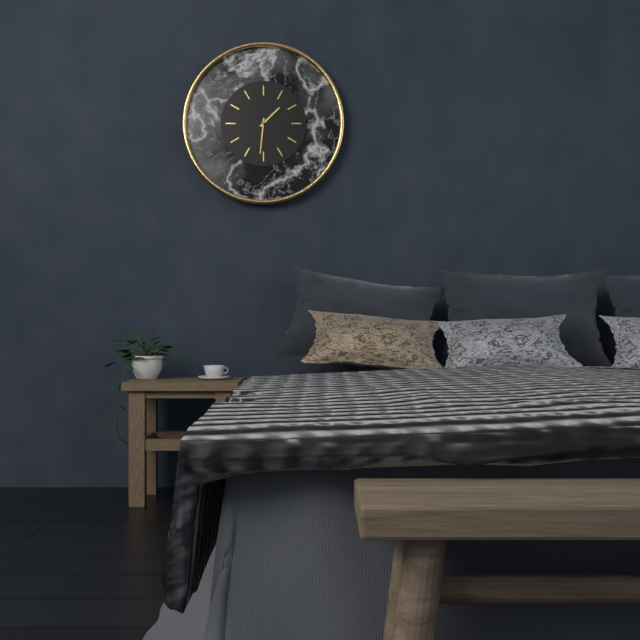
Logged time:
h=1 m=31
